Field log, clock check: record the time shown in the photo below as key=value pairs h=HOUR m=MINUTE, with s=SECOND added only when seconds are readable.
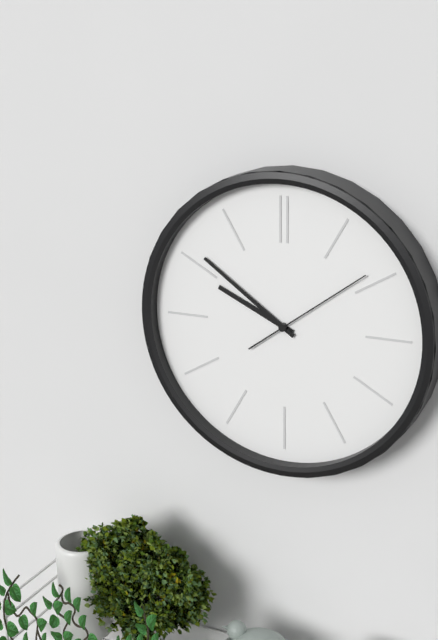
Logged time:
h=9 m=51 s=9
